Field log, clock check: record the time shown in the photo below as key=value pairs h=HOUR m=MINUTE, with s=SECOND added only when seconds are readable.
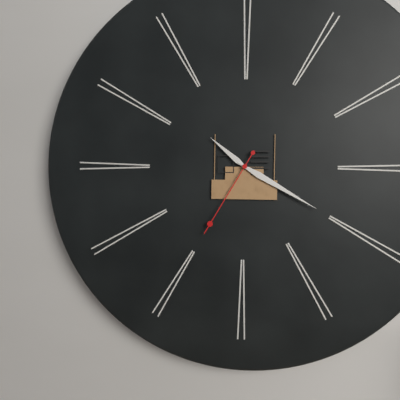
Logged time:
h=10 m=20 s=35
